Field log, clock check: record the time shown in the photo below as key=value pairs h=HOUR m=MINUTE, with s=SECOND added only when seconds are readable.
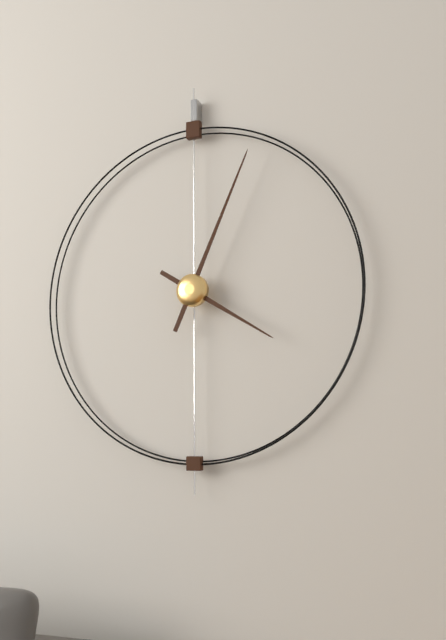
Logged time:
h=4 m=4
